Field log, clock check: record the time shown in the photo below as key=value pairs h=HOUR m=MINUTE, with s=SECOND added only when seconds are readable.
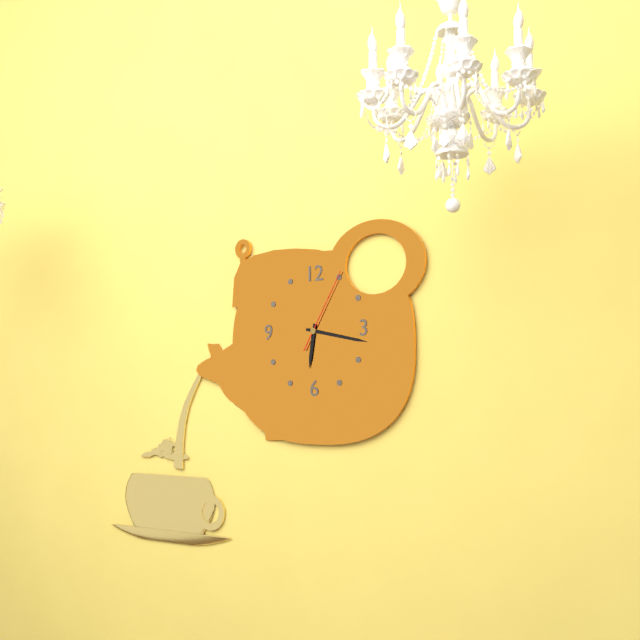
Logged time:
h=6 m=17 s=5
